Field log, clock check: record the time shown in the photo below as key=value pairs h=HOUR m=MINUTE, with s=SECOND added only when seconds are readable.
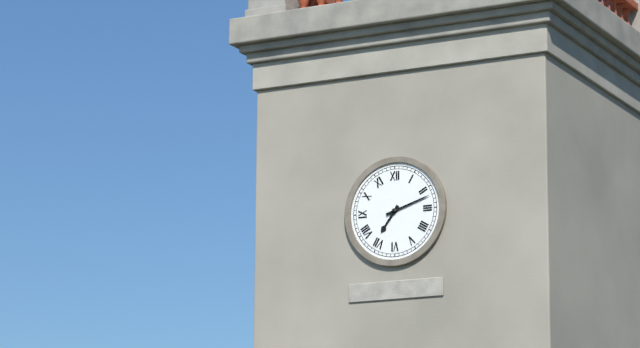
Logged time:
h=7 m=12
